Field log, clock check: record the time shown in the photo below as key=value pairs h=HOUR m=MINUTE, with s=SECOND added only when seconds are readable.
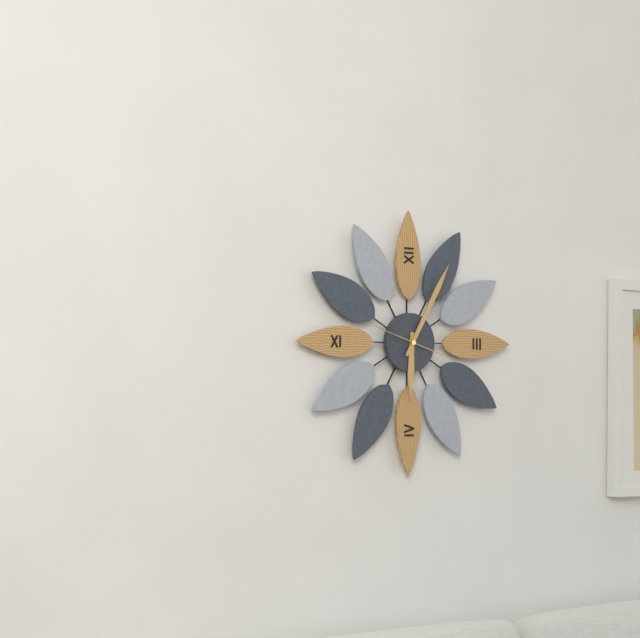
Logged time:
h=6 m=5
